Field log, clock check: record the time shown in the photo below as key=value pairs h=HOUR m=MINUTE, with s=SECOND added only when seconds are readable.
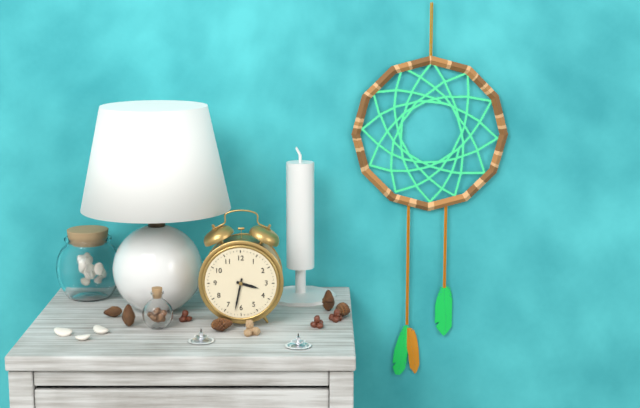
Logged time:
h=3 m=32
